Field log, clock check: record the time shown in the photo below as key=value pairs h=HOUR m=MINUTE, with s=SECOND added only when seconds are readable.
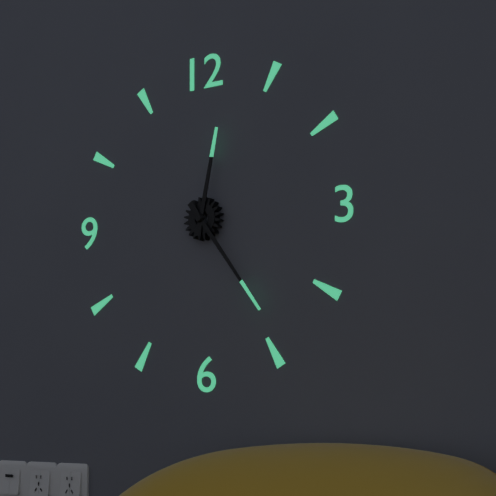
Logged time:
h=12 m=24
